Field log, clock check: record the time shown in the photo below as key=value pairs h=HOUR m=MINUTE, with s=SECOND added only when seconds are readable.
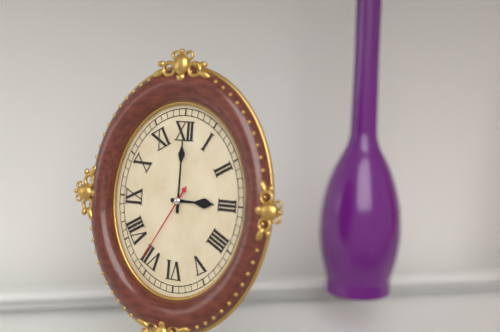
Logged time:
h=3 m=0 s=35
